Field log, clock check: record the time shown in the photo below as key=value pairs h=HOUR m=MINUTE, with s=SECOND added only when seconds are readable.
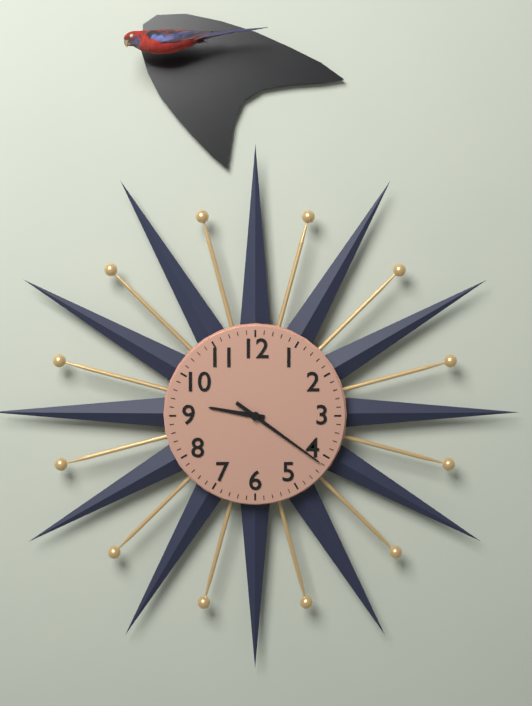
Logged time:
h=9 m=21
